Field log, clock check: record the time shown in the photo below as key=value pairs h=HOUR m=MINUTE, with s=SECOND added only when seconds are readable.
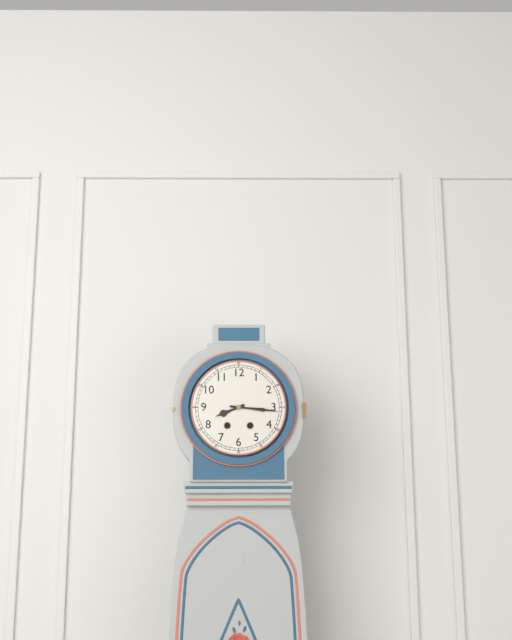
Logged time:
h=8 m=16
